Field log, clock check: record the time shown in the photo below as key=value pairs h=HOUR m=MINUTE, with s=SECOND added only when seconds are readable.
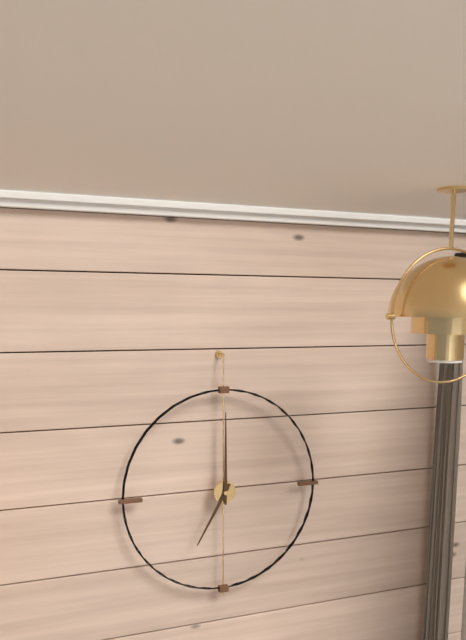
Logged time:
h=7 m=0
